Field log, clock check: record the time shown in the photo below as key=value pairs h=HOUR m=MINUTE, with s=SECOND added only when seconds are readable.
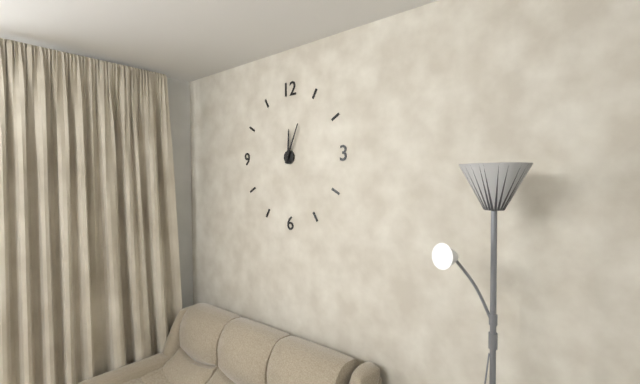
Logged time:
h=12 m=4
